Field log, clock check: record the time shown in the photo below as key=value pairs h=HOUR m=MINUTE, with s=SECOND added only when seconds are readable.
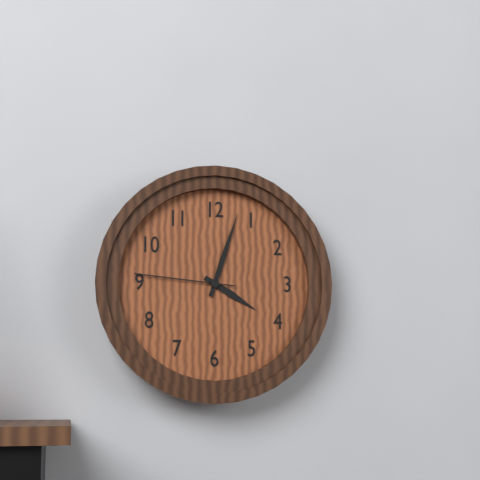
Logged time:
h=4 m=3 s=46
